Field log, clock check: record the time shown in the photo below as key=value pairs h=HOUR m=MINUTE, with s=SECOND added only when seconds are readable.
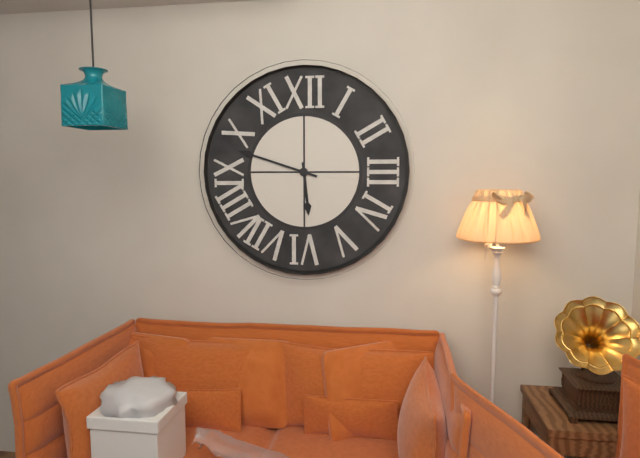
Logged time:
h=5 m=48
